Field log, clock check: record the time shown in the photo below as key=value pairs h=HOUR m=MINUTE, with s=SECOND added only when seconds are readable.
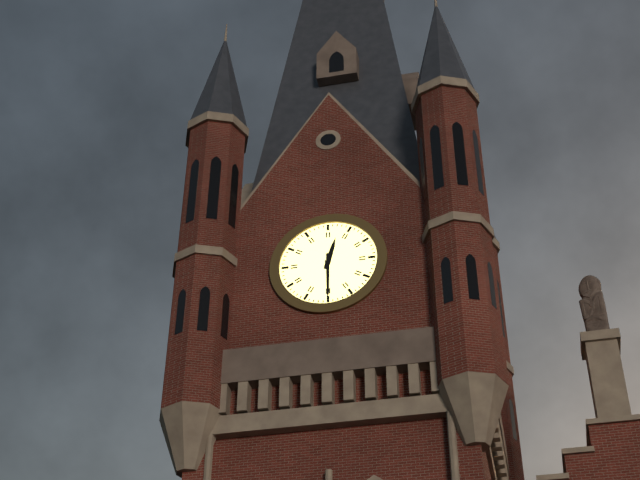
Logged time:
h=12 m=30
